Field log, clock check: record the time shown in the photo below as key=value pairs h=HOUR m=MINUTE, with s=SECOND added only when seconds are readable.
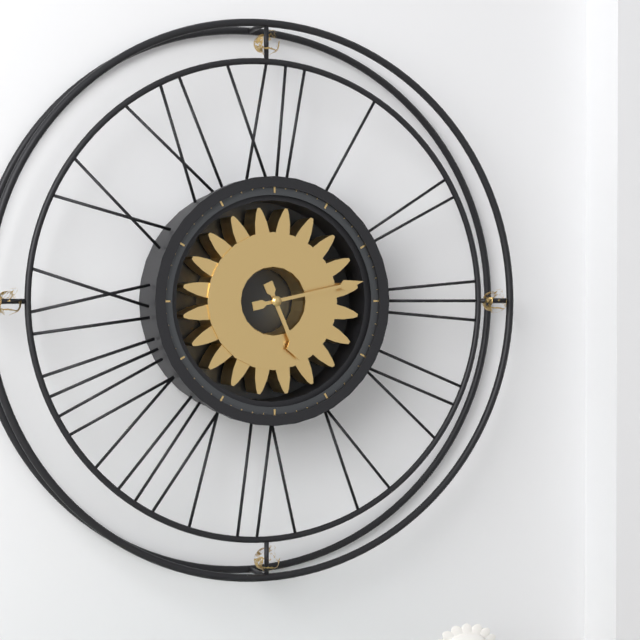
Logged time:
h=5 m=13
